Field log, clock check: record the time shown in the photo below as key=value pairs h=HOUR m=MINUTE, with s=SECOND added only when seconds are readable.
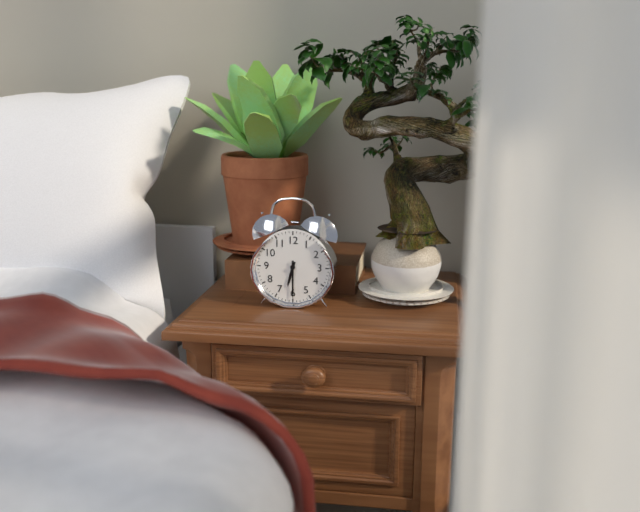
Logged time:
h=6 m=30
